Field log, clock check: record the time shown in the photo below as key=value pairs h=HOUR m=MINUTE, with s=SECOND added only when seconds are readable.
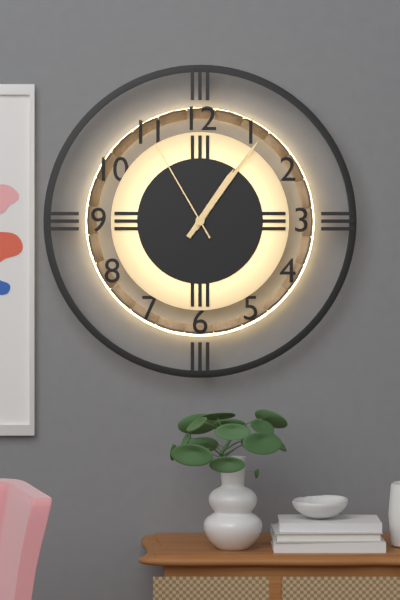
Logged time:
h=1 m=6 s=55
